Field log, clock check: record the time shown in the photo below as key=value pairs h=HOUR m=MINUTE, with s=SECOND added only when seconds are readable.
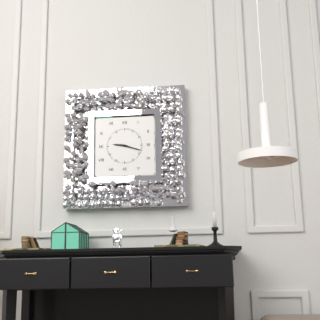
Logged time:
h=9 m=18
